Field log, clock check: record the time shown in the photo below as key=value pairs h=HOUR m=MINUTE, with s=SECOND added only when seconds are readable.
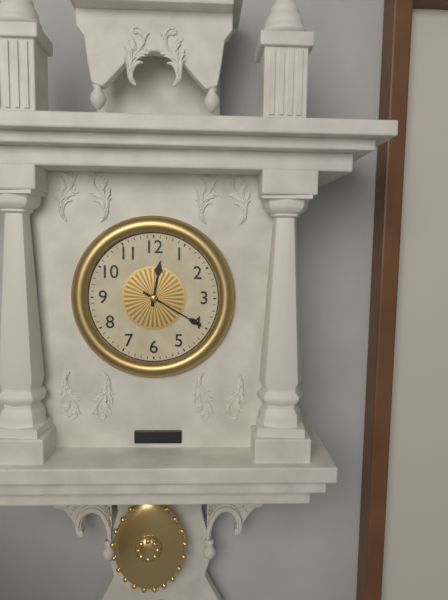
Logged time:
h=12 m=20
